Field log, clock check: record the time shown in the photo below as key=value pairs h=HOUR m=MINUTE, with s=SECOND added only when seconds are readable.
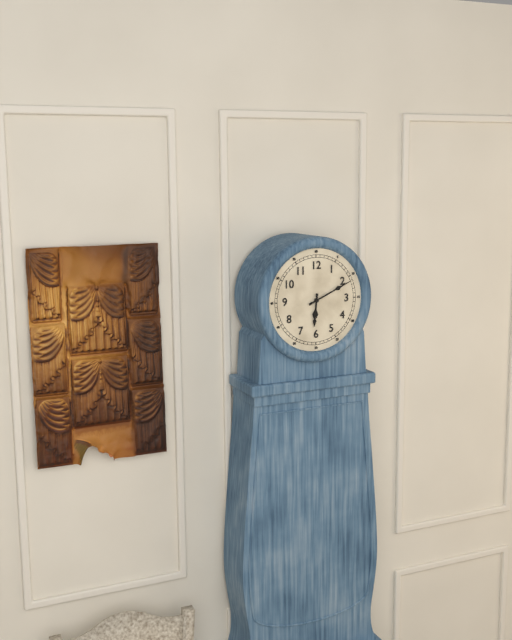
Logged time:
h=6 m=11
